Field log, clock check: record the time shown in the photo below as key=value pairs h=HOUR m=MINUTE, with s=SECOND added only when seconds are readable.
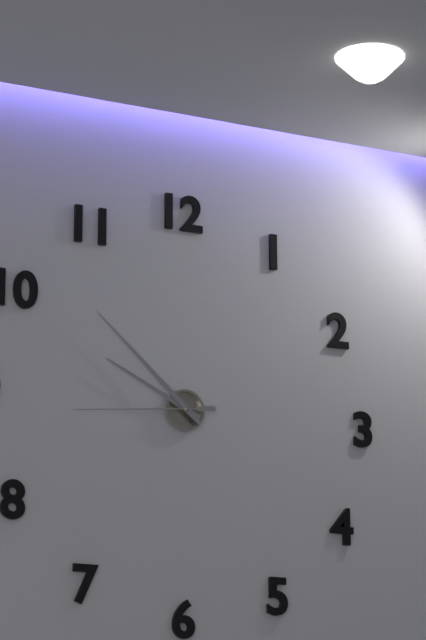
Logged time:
h=9 m=52 s=44
